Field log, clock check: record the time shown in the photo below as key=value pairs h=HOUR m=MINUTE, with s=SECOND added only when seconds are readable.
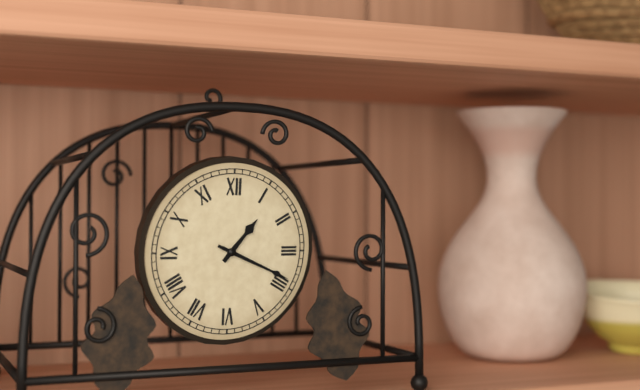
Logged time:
h=1 m=19
